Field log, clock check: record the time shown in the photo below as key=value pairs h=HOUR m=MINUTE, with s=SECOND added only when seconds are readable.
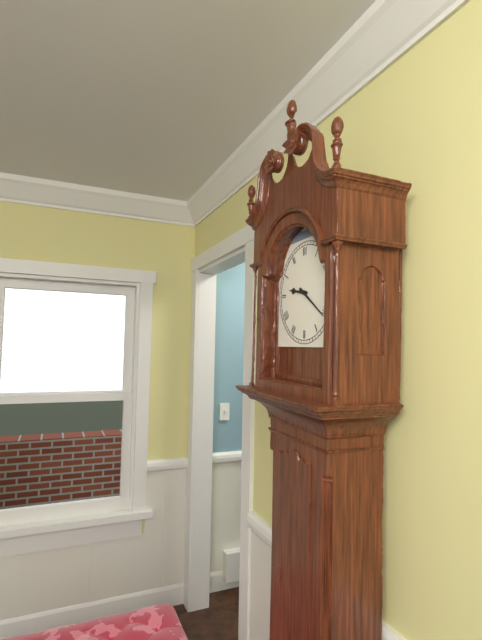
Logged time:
h=9 m=21
